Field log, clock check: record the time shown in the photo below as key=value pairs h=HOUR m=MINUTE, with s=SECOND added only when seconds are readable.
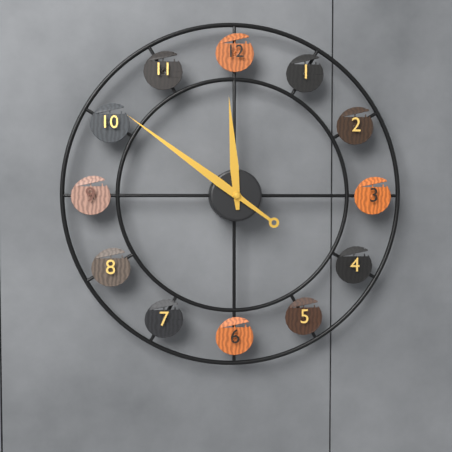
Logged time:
h=11 m=51
